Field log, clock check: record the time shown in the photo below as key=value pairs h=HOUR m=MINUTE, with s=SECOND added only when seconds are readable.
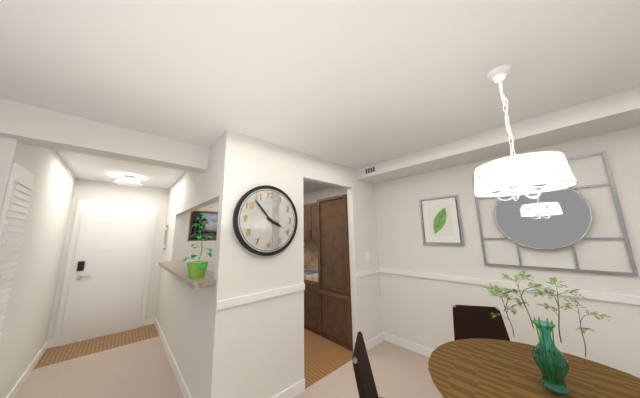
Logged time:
h=3 m=53
